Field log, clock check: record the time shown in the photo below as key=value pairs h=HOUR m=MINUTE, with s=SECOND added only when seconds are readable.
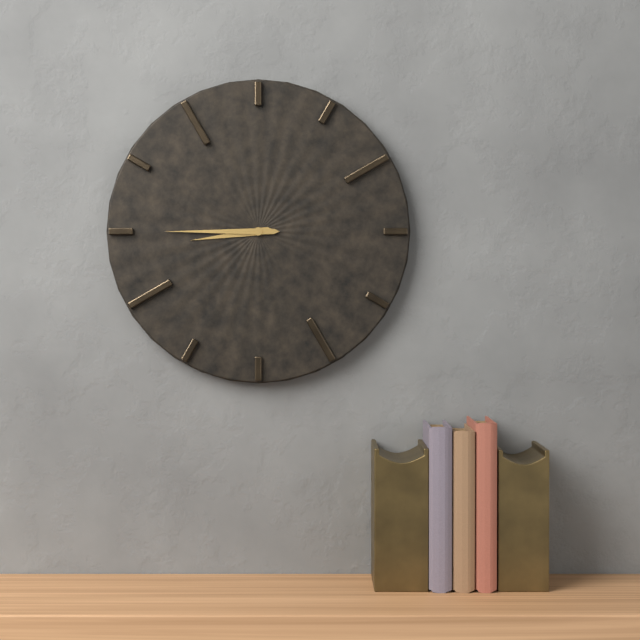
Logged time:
h=8 m=45
